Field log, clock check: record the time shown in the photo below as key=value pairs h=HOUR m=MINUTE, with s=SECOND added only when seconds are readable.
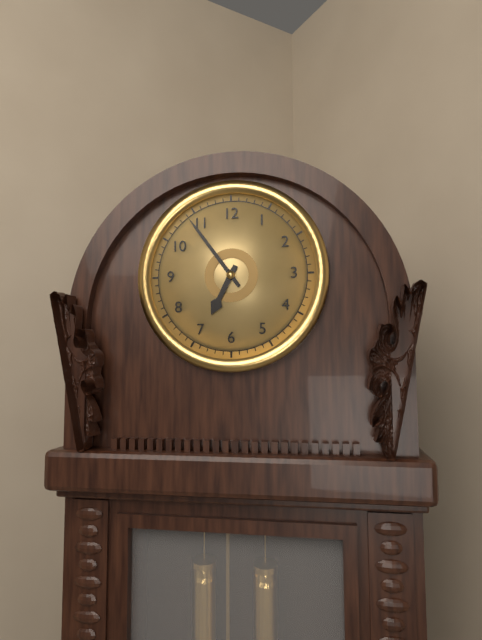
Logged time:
h=6 m=54
